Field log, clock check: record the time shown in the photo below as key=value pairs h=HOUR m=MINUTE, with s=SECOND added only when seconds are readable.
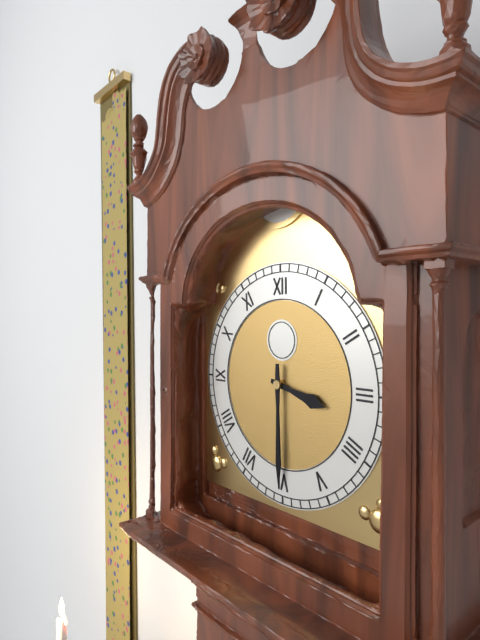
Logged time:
h=3 m=30
